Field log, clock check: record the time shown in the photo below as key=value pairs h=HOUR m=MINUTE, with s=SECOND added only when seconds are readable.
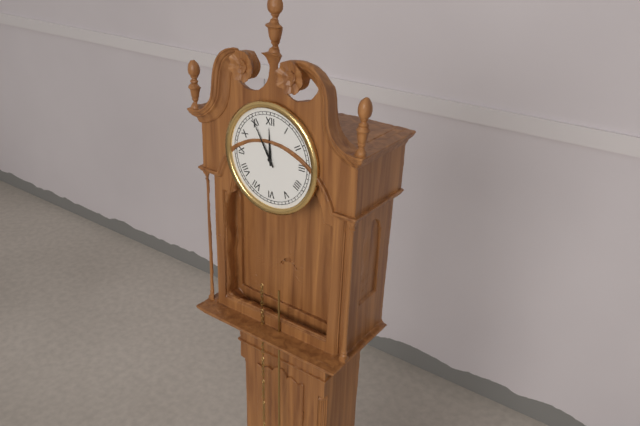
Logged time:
h=11 m=55
